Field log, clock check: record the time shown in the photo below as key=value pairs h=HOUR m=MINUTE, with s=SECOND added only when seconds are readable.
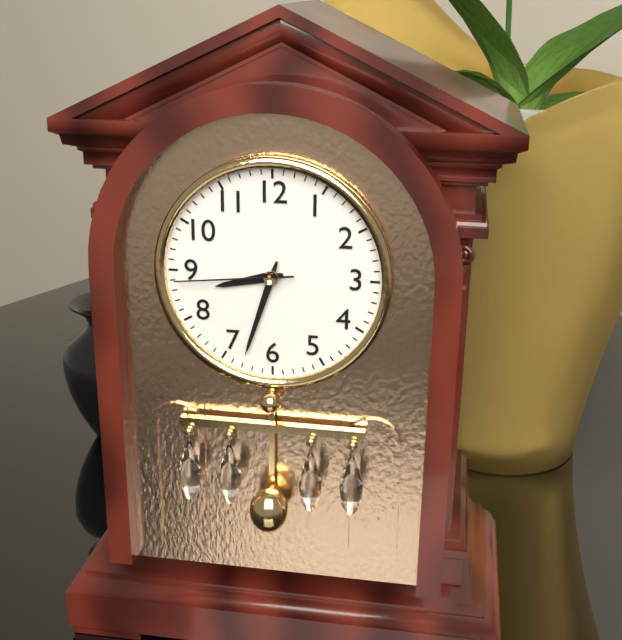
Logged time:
h=8 m=33 s=44
